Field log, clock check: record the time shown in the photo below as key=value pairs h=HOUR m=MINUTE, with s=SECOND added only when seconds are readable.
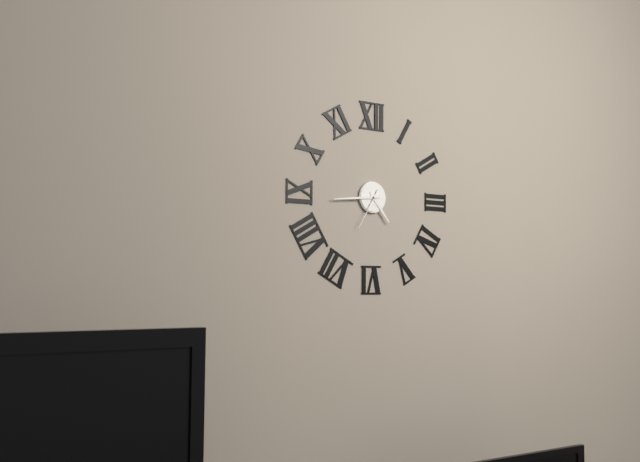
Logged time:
h=4 m=44
